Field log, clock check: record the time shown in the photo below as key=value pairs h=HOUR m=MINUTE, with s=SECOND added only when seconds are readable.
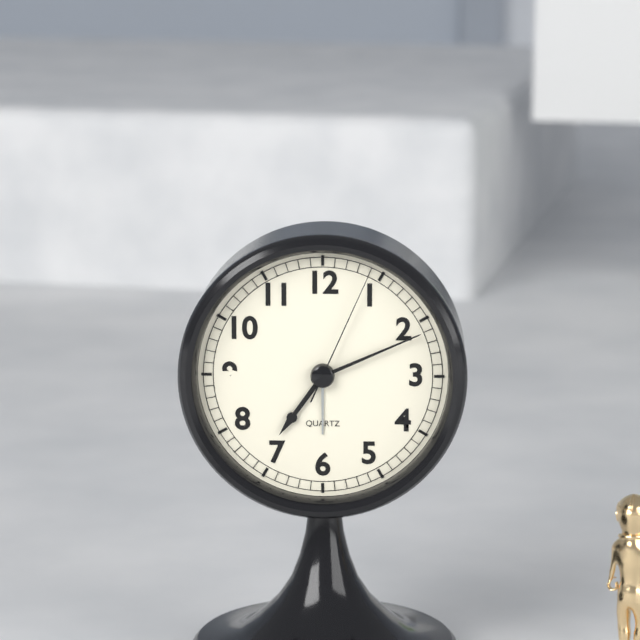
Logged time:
h=7 m=11 s=4
